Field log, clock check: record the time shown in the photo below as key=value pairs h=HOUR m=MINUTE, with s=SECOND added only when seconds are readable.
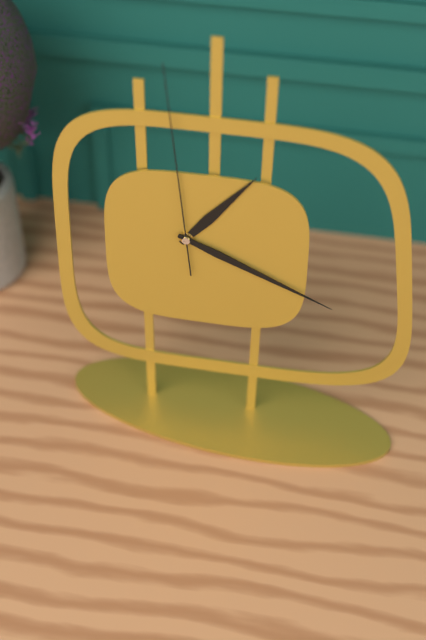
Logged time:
h=1 m=19 s=59
